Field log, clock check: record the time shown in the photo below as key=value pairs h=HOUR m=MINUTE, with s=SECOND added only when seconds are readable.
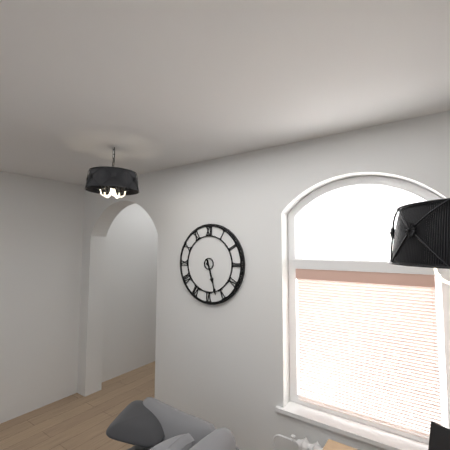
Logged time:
h=5 m=27
